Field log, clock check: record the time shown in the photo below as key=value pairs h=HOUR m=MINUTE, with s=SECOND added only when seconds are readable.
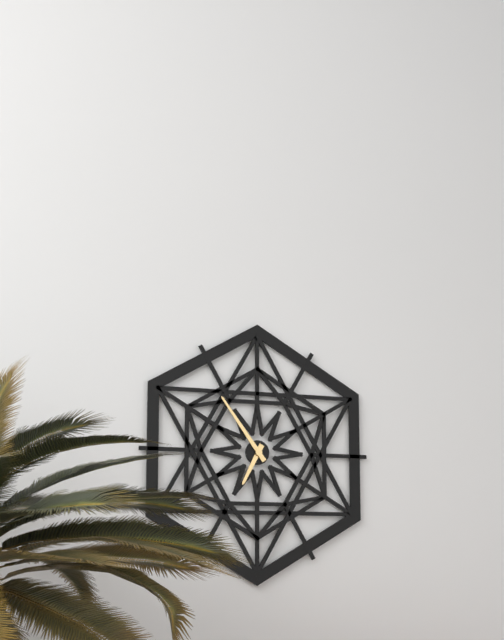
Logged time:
h=6 m=54
